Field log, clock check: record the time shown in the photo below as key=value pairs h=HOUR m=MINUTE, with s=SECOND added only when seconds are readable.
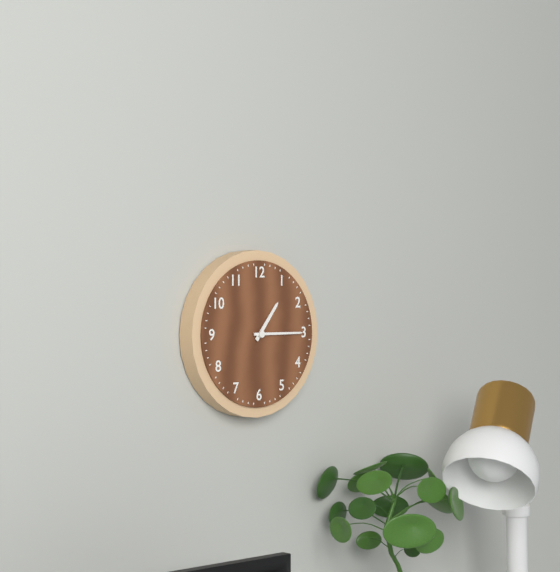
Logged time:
h=1 m=15
